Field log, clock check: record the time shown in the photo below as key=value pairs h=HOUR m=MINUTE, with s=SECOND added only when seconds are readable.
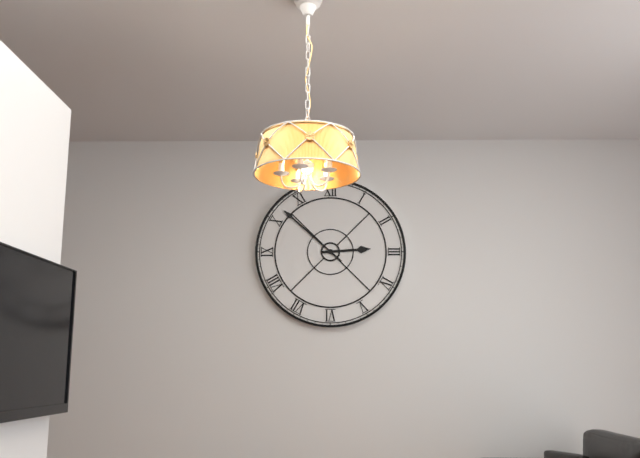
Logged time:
h=2 m=52
